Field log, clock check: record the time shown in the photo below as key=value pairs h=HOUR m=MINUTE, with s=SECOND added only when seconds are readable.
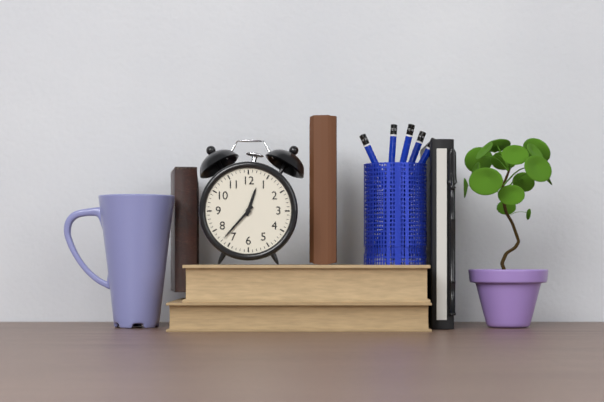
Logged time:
h=12 m=37
